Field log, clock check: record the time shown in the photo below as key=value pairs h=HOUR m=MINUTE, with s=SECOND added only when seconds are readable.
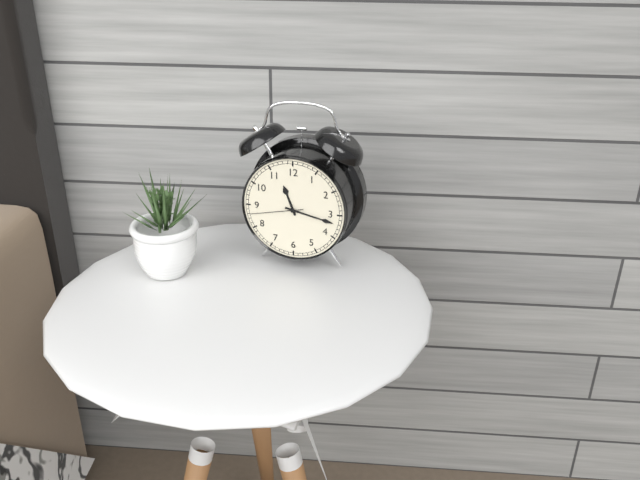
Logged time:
h=11 m=17 s=43
